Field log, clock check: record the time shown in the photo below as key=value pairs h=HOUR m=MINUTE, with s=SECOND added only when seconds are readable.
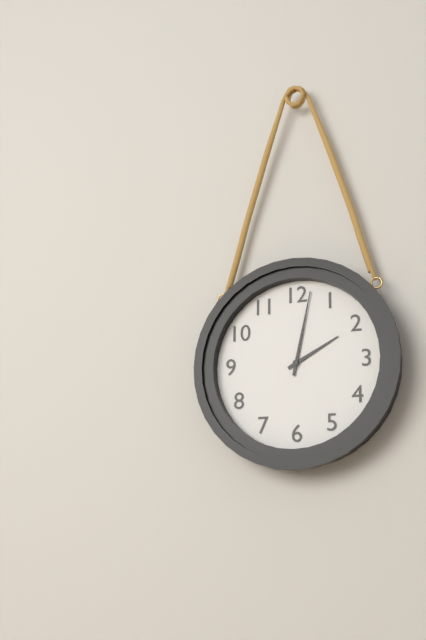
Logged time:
h=2 m=2
